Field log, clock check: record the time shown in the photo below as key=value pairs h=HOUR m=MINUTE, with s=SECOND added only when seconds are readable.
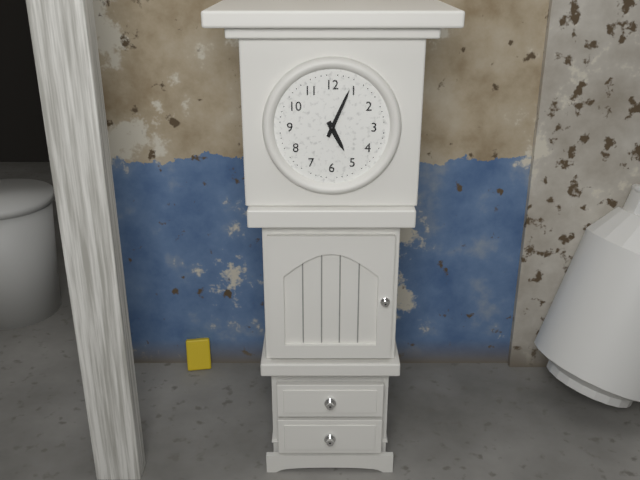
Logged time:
h=5 m=4
